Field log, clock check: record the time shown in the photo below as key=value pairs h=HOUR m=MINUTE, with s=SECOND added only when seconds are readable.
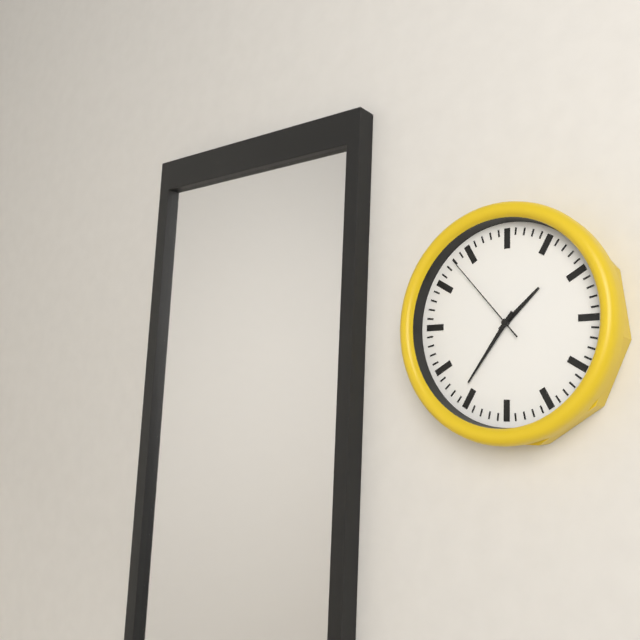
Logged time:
h=1 m=36 s=53
